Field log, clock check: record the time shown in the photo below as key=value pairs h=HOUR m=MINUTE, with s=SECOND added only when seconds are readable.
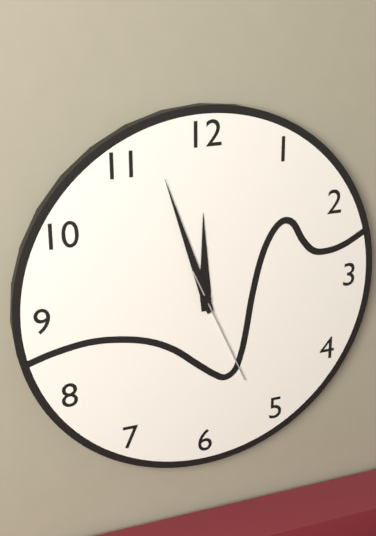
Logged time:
h=11 m=57 s=26
